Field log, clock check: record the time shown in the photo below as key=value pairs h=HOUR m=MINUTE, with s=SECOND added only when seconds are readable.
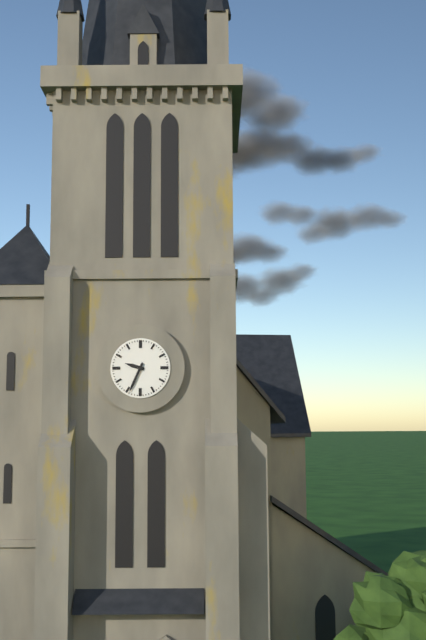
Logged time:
h=9 m=34
